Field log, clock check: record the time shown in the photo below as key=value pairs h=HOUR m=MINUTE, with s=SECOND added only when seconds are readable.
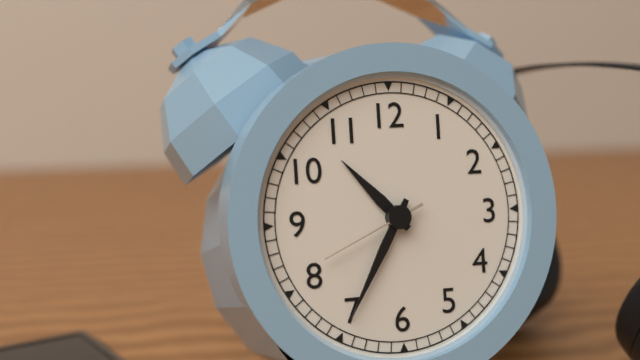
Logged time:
h=10 m=35 s=41
